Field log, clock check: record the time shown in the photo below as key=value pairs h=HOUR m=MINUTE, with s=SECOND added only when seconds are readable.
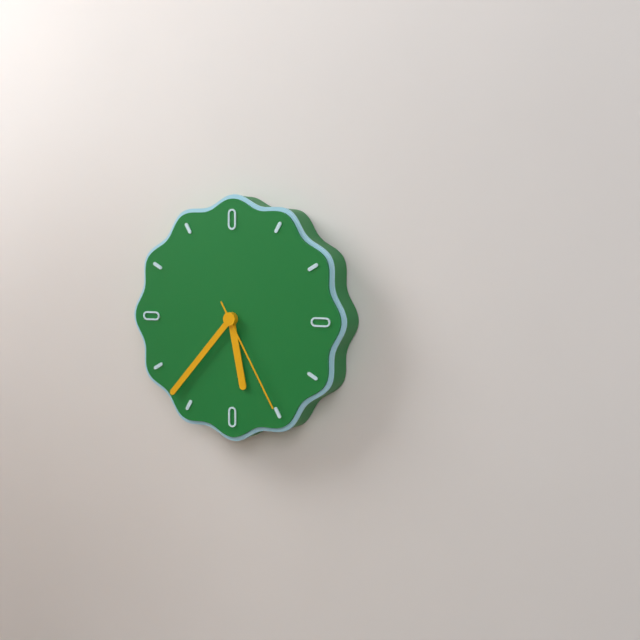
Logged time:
h=5 m=37 s=25
